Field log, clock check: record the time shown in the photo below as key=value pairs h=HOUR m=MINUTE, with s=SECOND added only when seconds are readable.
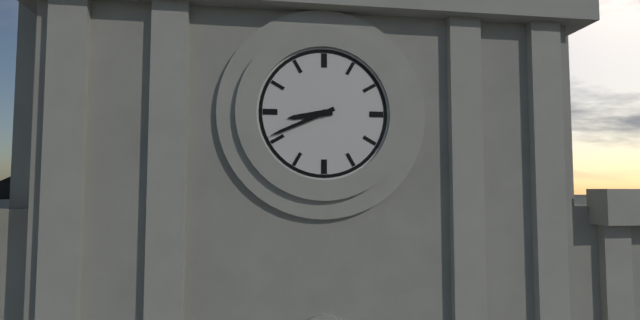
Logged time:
h=8 m=41
